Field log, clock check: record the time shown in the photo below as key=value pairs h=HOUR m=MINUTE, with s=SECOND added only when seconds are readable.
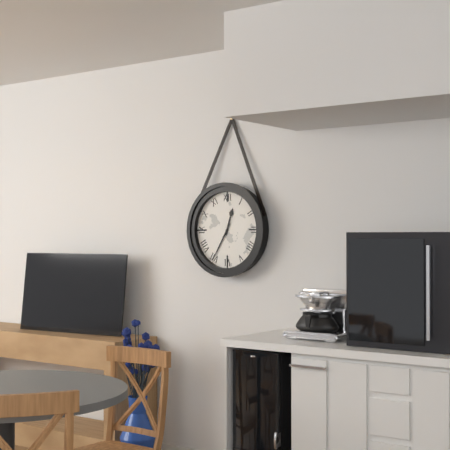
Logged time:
h=12 m=35
